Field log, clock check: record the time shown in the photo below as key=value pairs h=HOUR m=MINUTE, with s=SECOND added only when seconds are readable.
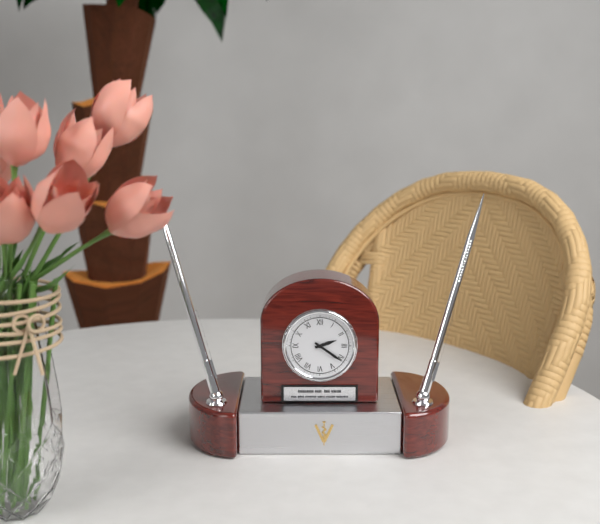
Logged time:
h=2 m=21
